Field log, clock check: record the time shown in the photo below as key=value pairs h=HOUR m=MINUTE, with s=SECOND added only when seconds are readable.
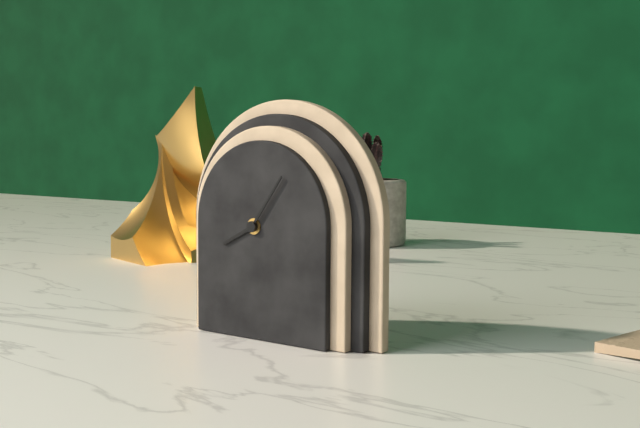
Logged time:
h=8 m=6
